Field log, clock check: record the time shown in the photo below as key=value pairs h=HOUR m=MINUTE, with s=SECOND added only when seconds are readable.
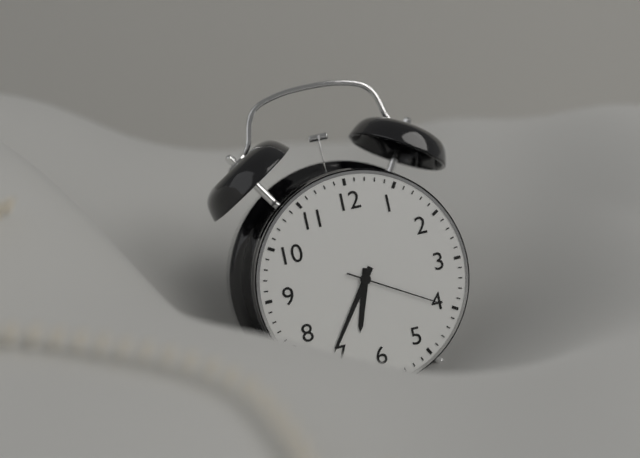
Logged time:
h=6 m=36 s=20
